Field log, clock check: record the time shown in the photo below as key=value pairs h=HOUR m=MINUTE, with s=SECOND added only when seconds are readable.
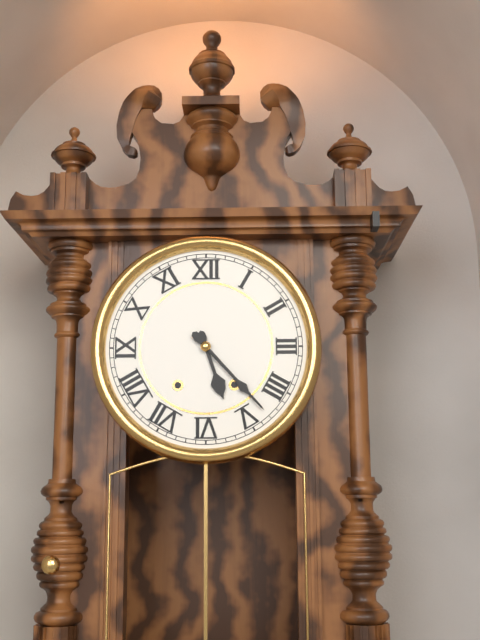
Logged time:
h=5 m=23
